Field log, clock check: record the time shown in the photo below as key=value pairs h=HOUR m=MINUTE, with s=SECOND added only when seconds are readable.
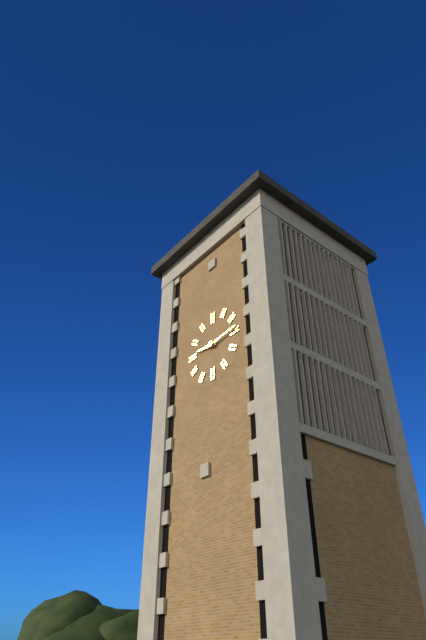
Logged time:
h=9 m=14
